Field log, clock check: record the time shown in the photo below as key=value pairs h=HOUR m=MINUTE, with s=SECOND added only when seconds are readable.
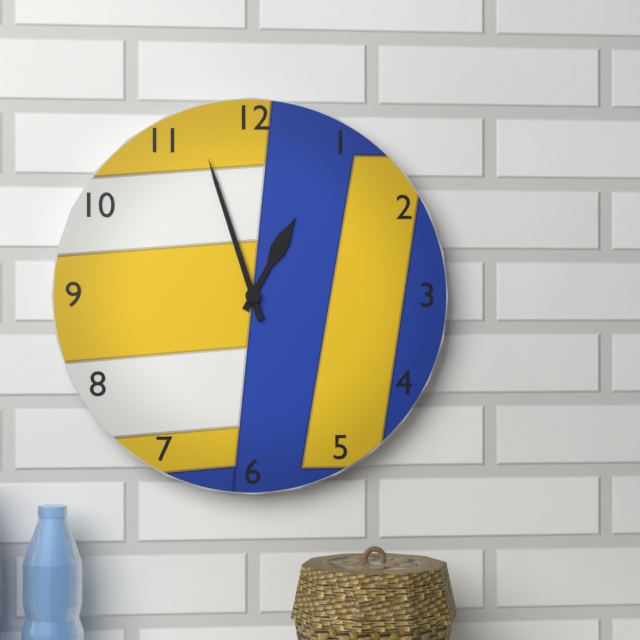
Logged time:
h=12 m=57
